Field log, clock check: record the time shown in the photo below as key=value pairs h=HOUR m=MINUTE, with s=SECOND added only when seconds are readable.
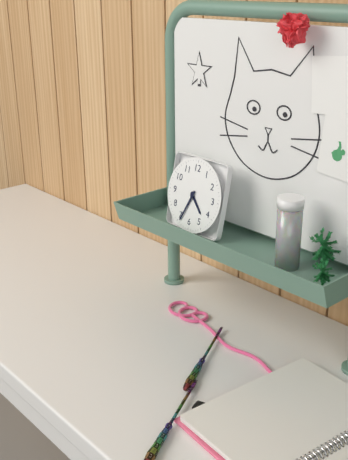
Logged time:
h=4 m=34
